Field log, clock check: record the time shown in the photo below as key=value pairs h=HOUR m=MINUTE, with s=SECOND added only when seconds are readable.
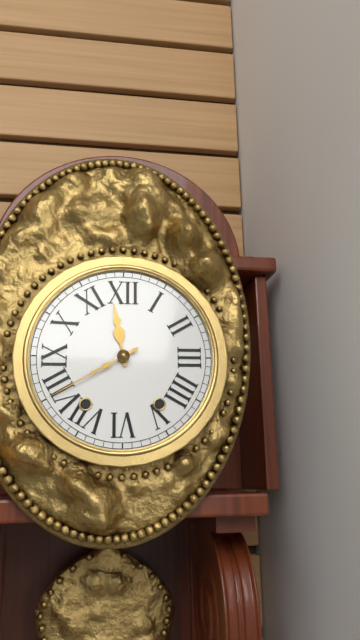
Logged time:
h=11 m=40
